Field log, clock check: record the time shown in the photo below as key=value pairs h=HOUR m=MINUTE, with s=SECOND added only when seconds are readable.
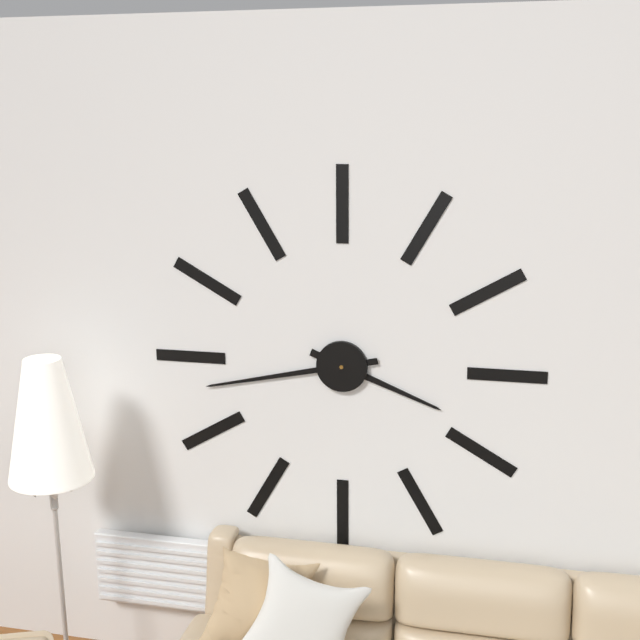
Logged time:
h=3 m=43
